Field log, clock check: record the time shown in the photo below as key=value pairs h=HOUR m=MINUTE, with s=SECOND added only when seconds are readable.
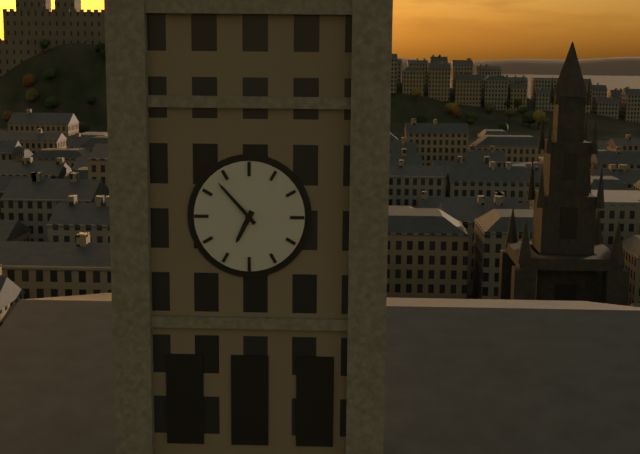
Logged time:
h=6 m=53
